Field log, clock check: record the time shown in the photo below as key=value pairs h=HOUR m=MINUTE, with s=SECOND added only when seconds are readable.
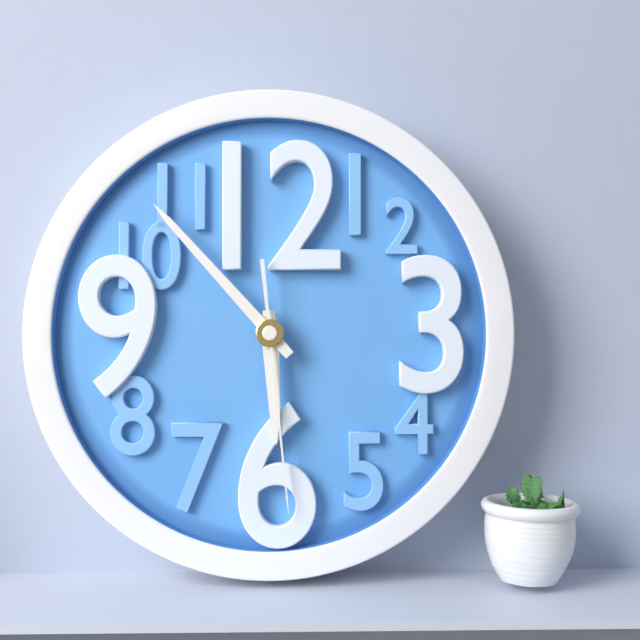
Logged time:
h=5 m=53 s=29
